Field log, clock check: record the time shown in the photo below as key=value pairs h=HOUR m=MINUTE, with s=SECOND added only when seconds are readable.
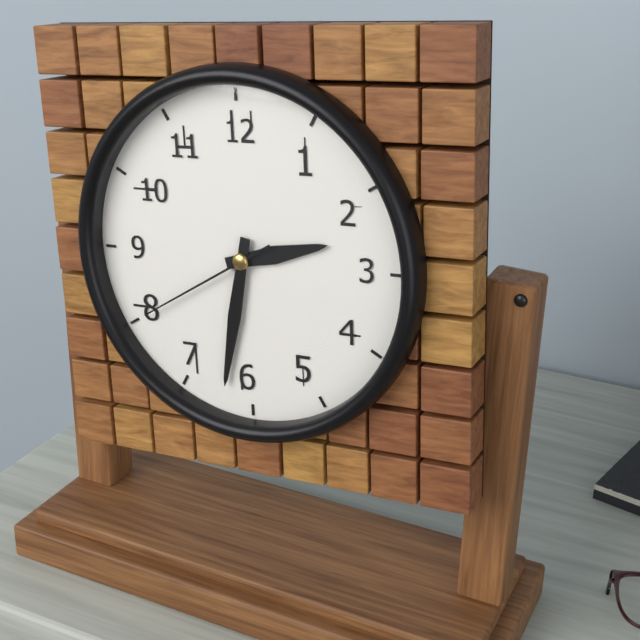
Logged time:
h=2 m=32 s=40
